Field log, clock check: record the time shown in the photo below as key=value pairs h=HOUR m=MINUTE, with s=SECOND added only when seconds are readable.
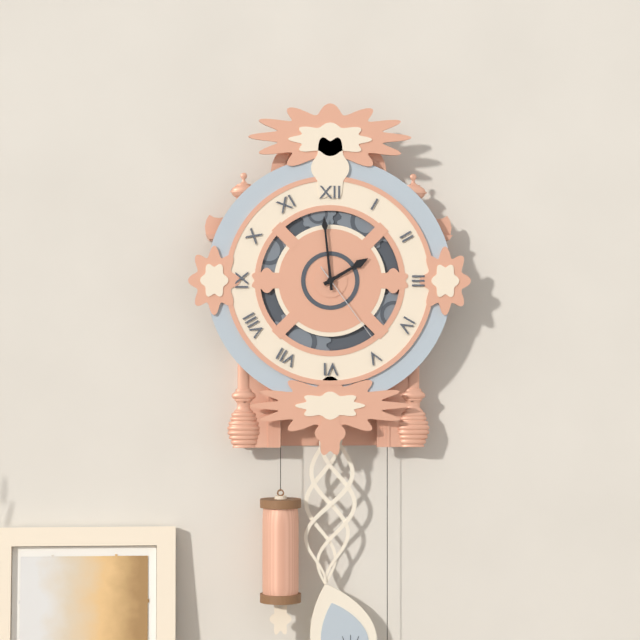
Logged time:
h=1 m=59 s=24
